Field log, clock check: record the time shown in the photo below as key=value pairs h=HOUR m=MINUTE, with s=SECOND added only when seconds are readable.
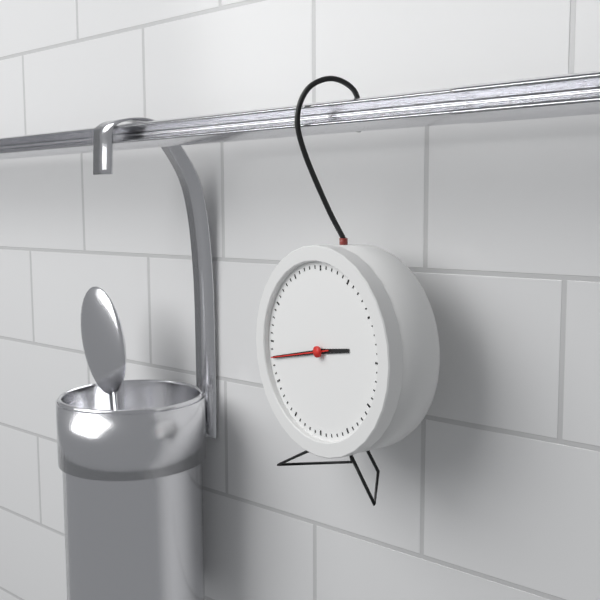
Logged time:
h=2 m=43 s=43
